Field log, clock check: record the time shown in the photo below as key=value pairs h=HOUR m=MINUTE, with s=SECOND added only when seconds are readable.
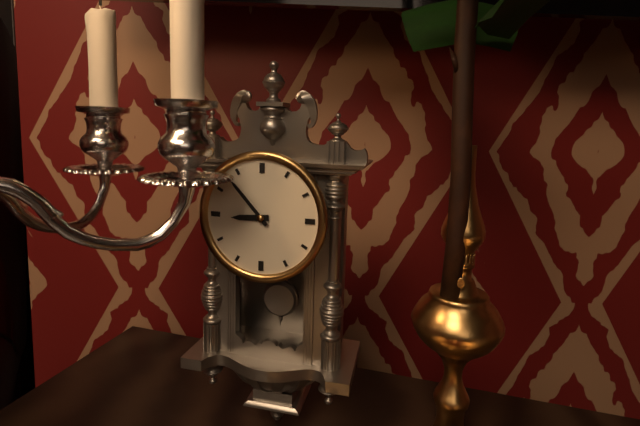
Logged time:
h=8 m=53
